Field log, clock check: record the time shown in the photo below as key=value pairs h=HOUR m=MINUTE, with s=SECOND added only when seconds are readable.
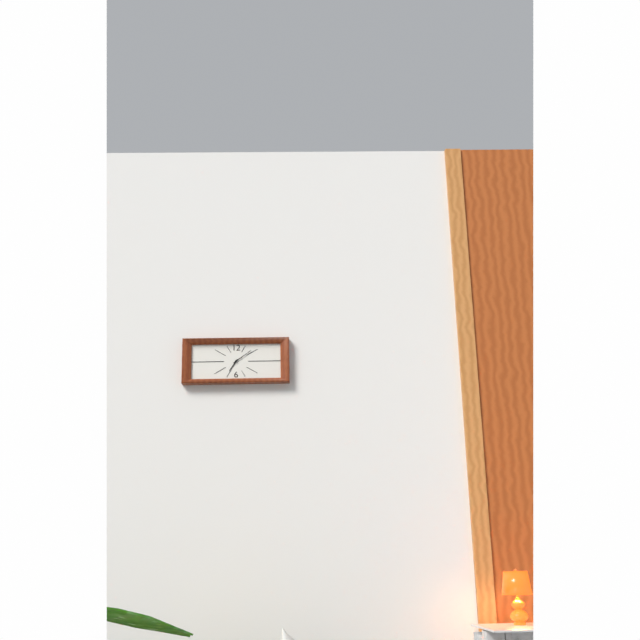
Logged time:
h=7 m=9
